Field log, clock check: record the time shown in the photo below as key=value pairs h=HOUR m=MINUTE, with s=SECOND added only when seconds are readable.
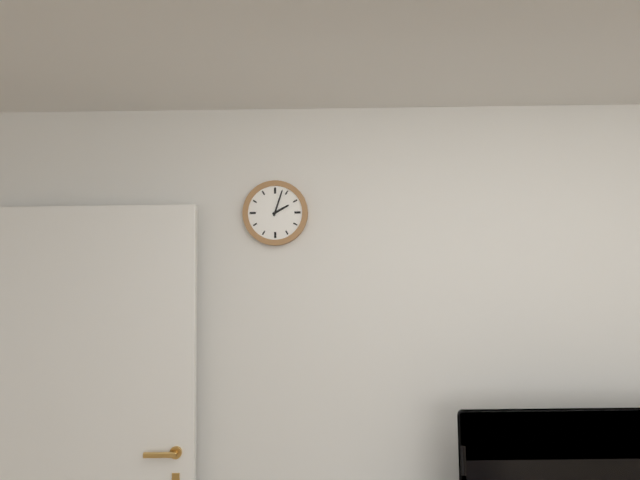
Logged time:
h=2 m=3
